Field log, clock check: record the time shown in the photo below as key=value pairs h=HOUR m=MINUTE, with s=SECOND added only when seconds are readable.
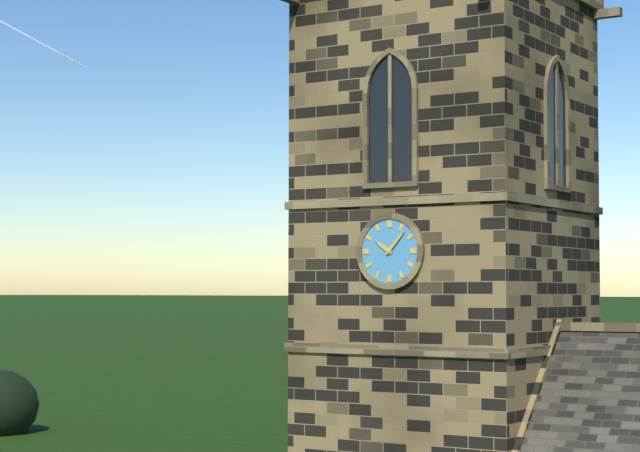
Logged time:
h=10 m=7
